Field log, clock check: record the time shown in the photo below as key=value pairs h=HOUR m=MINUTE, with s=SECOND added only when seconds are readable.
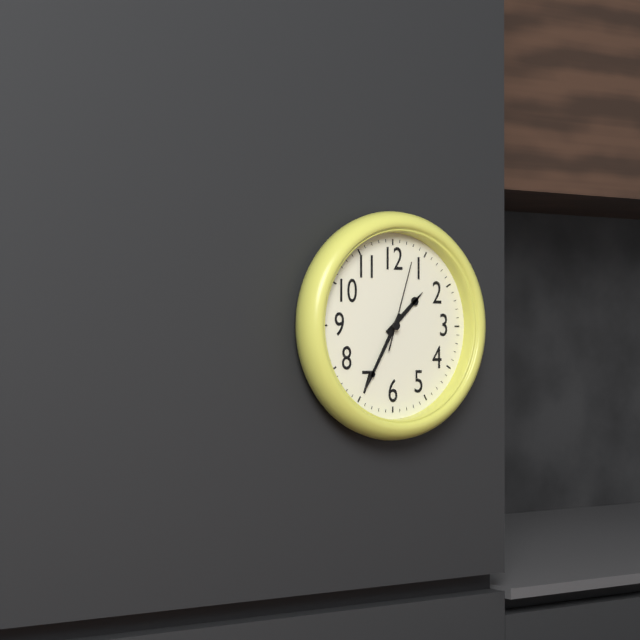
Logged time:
h=1 m=35 s=3
